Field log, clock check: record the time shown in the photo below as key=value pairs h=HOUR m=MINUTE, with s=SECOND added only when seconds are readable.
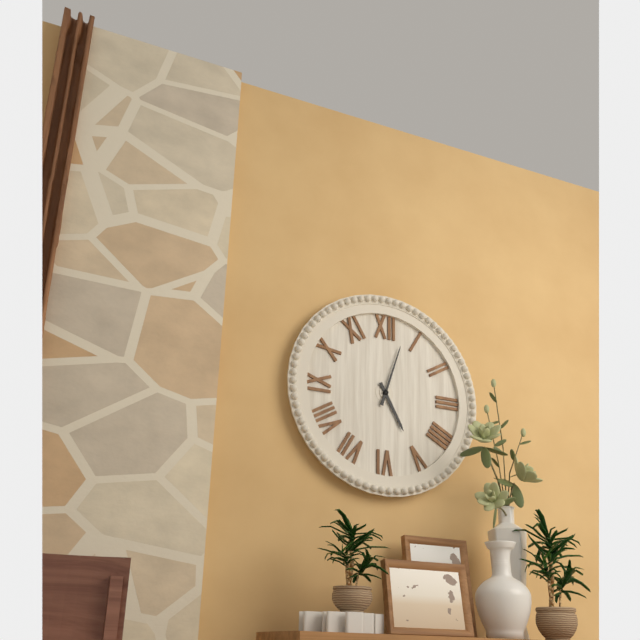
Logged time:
h=5 m=3
